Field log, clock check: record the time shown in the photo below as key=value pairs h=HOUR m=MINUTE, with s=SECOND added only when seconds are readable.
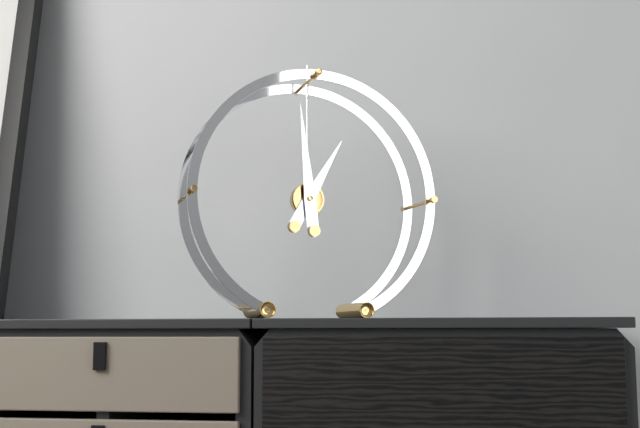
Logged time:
h=12 m=59
